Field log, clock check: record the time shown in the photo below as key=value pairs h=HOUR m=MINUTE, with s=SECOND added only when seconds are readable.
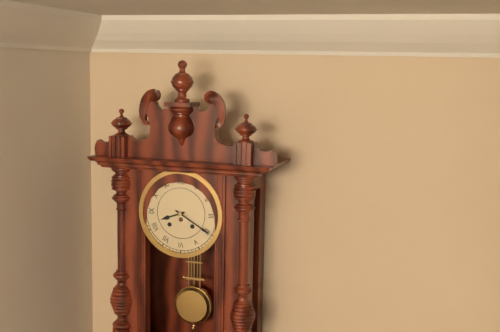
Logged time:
h=8 m=20
